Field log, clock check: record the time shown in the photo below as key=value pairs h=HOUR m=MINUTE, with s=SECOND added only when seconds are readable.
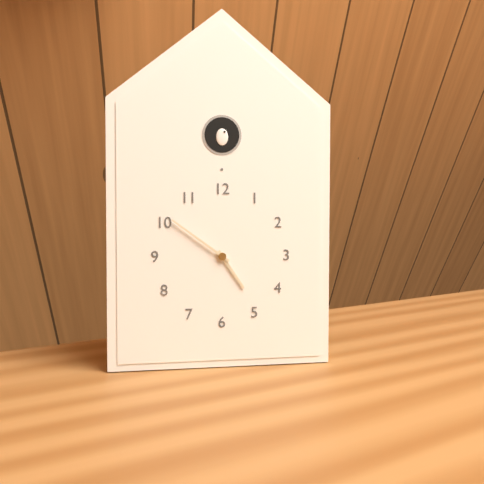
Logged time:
h=4 m=51
